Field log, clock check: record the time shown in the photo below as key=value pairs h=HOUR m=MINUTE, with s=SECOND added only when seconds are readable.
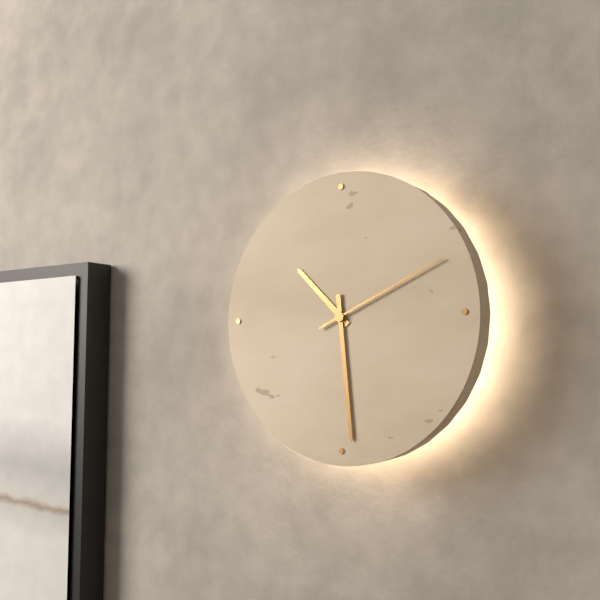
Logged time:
h=10 m=29 s=11
